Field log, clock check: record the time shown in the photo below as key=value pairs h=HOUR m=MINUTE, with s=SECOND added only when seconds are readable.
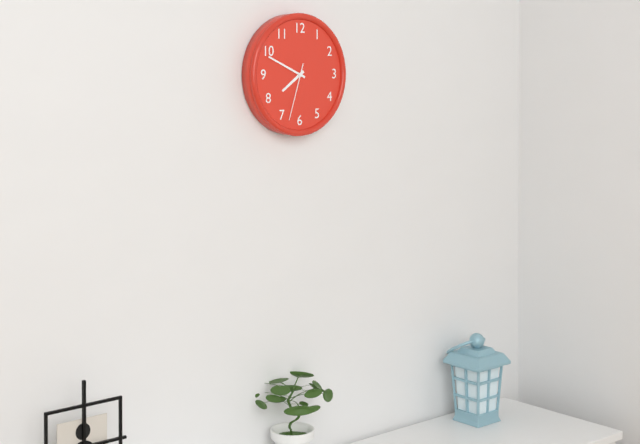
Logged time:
h=7 m=49 s=33
